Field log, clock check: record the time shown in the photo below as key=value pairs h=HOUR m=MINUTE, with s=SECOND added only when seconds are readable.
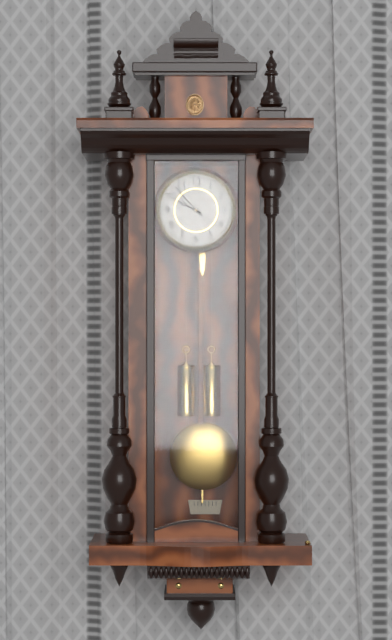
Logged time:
h=9 m=53
